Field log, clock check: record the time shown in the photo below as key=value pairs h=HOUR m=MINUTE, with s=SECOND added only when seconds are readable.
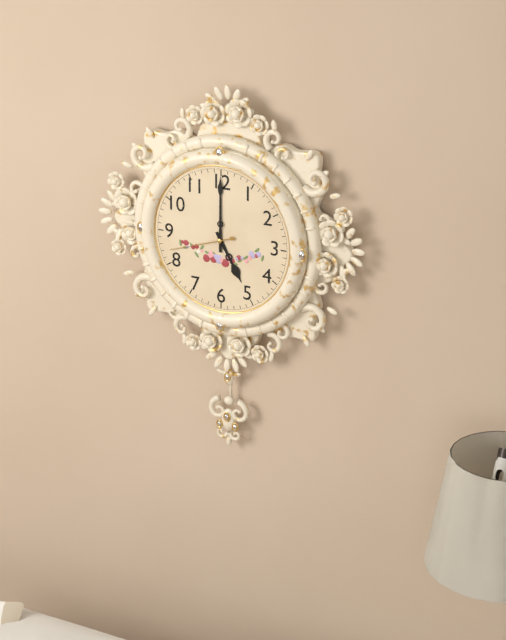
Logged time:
h=5 m=0 s=42
